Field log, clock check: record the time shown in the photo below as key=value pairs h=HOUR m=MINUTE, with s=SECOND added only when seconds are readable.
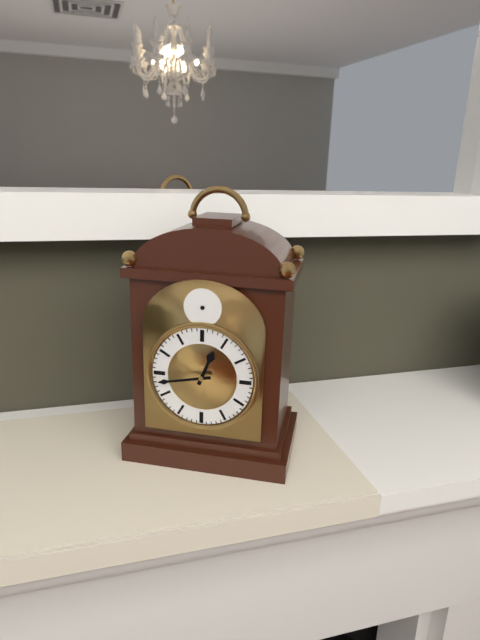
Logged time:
h=12 m=43
